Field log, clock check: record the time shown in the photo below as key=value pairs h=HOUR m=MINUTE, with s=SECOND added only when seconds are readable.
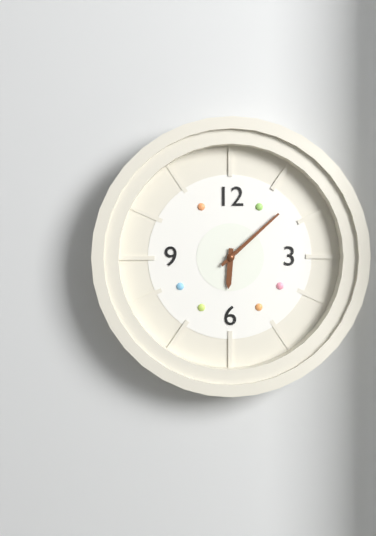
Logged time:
h=6 m=8
